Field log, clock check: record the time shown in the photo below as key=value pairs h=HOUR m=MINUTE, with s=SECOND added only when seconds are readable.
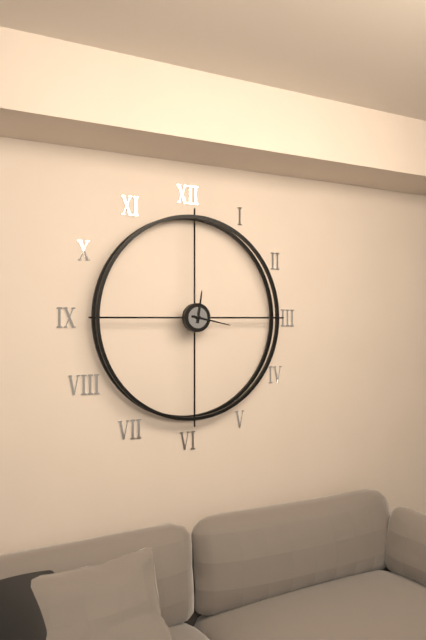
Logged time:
h=12 m=17
